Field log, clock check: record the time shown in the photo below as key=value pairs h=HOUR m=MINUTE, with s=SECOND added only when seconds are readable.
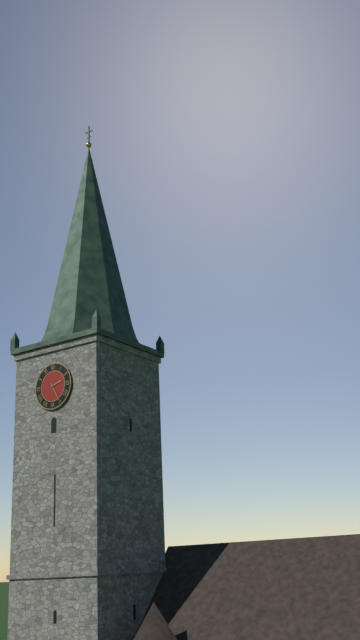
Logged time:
h=2 m=25
